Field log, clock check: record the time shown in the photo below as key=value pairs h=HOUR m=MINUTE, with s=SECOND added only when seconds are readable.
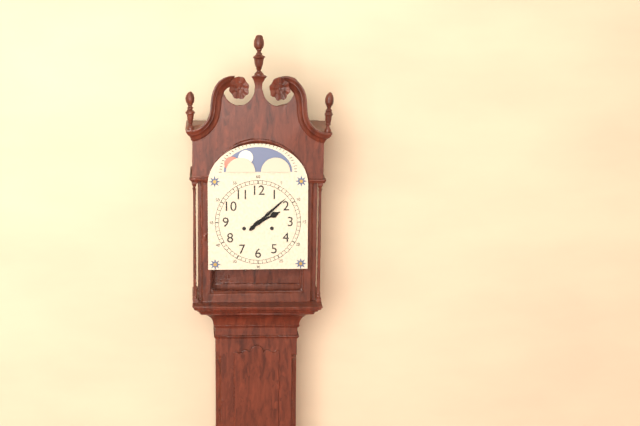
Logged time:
h=2 m=8
